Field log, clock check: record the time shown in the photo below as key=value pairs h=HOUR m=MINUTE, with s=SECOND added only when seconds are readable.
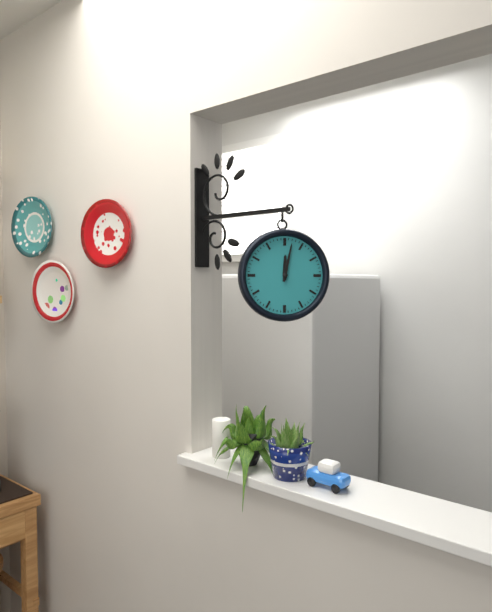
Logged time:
h=12 m=2
